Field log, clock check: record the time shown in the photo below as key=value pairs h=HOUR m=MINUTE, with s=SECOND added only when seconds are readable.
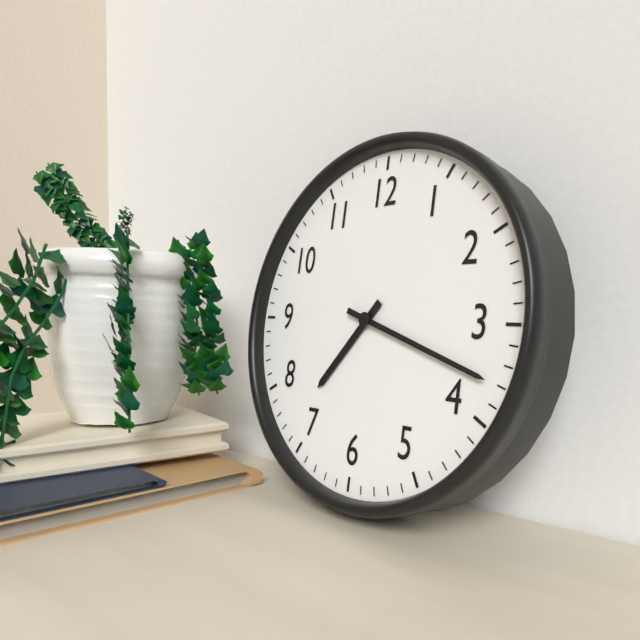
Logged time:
h=7 m=18
